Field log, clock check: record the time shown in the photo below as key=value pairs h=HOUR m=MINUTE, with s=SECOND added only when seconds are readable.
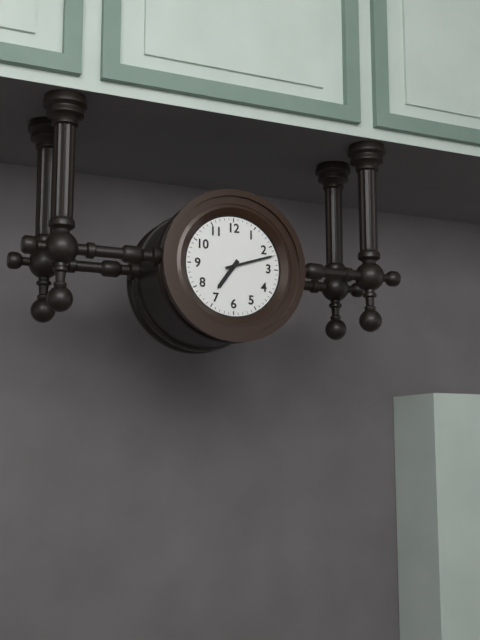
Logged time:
h=7 m=12
